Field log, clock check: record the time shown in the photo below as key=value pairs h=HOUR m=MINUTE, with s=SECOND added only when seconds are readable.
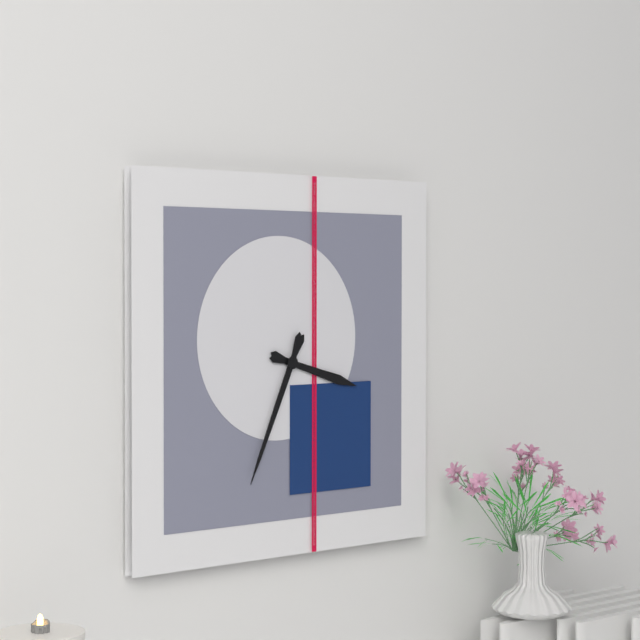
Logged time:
h=3 m=34
